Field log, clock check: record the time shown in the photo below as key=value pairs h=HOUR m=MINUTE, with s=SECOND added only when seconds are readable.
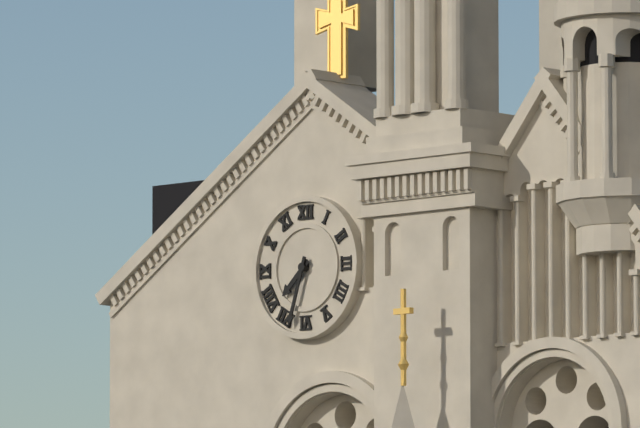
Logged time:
h=7 m=33
